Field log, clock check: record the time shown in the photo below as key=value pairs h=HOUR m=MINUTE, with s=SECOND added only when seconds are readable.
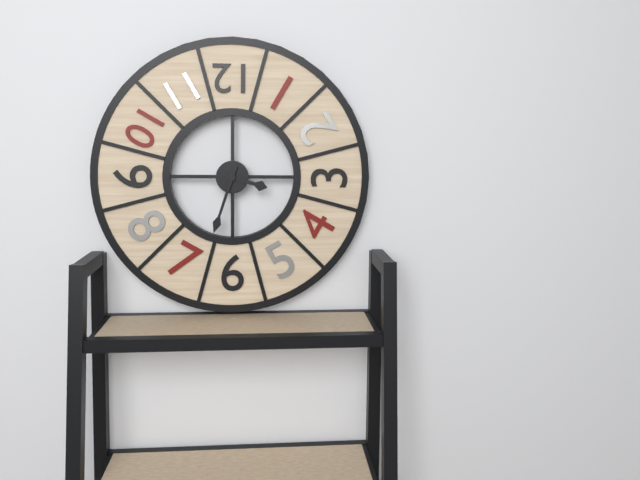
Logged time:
h=3 m=33
